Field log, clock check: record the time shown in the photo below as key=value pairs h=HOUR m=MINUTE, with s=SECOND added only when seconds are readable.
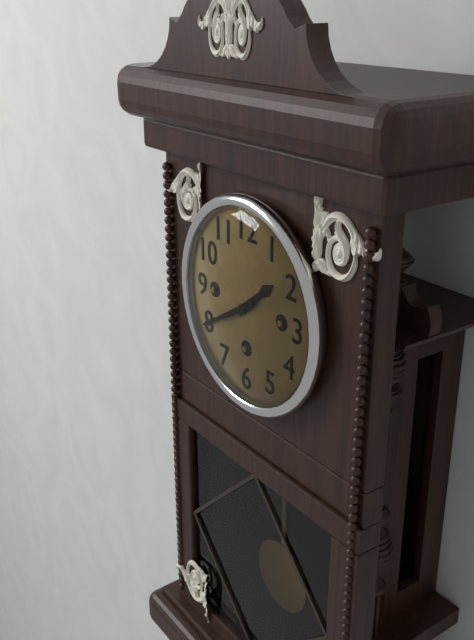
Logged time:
h=1 m=40
